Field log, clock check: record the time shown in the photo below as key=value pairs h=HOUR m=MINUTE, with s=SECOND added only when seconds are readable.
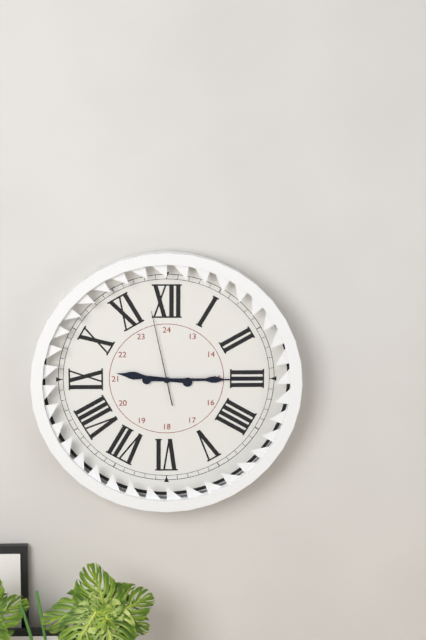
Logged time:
h=9 m=15 s=58
